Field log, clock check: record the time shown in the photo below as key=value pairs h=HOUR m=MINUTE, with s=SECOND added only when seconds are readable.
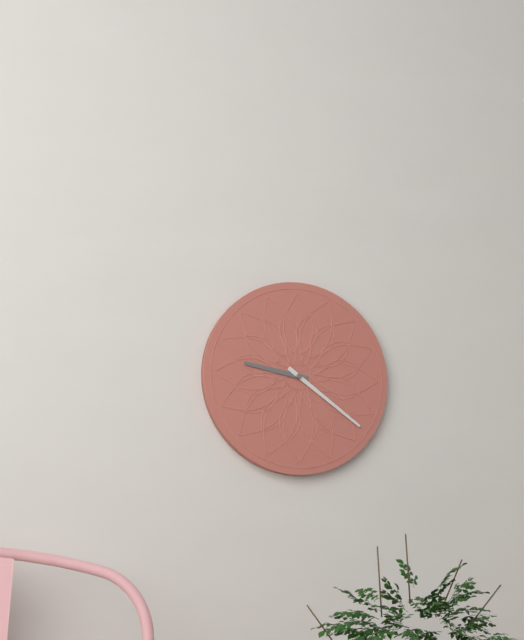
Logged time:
h=9 m=21
